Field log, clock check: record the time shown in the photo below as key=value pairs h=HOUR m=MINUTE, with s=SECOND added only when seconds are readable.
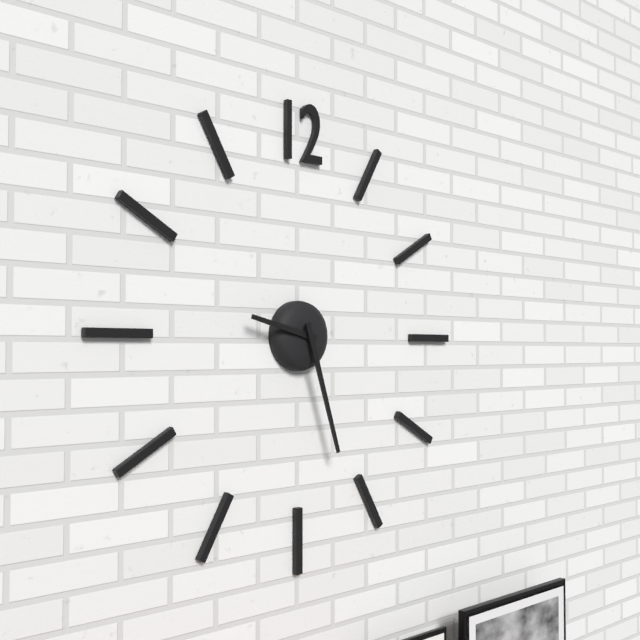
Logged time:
h=9 m=27
